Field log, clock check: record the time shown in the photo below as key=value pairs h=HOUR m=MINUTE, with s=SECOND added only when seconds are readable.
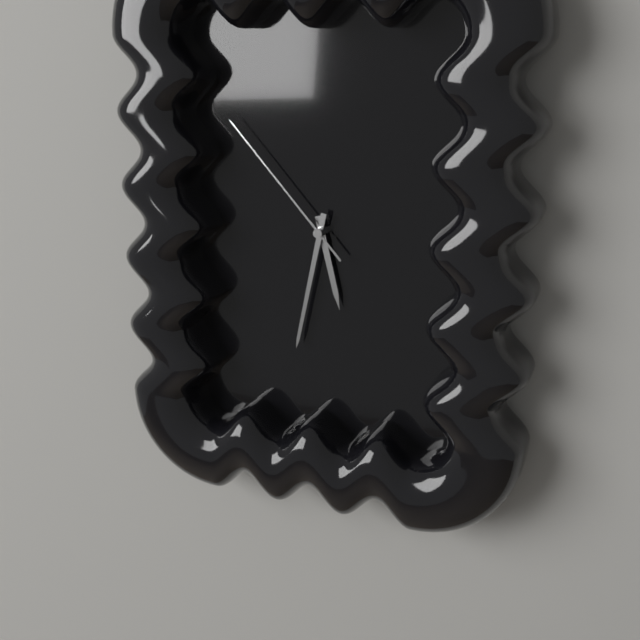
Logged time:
h=5 m=32 s=53
